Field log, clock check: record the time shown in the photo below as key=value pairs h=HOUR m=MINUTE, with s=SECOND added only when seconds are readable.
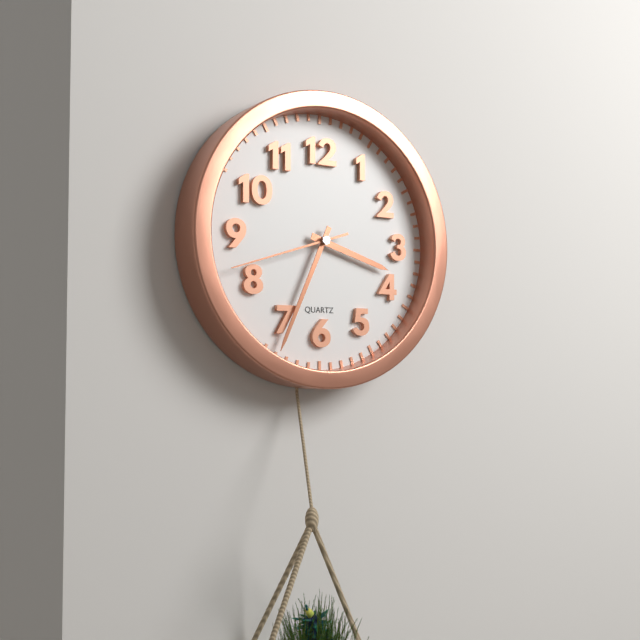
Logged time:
h=3 m=34 s=42
